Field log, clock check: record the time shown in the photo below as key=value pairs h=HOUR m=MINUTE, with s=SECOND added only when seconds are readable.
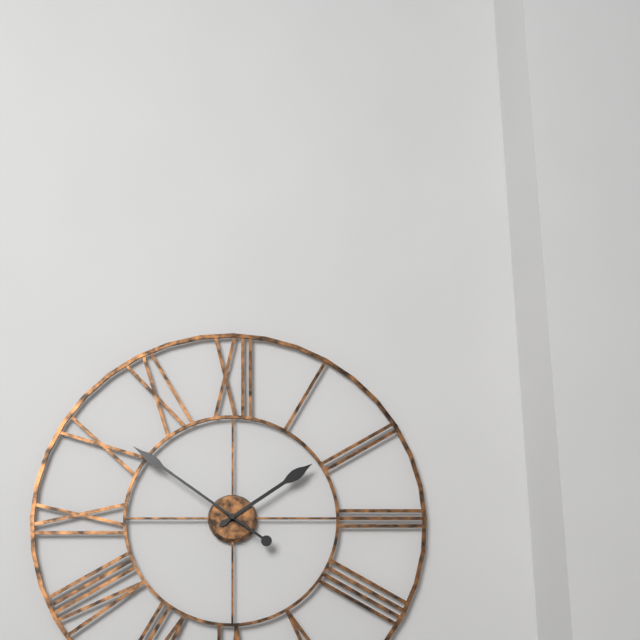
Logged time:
h=1 m=51
